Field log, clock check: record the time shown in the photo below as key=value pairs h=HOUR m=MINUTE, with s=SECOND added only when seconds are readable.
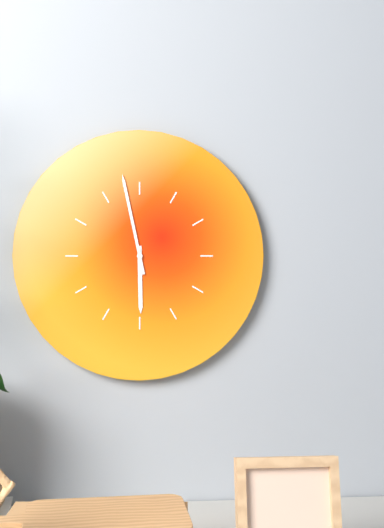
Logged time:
h=5 m=58
